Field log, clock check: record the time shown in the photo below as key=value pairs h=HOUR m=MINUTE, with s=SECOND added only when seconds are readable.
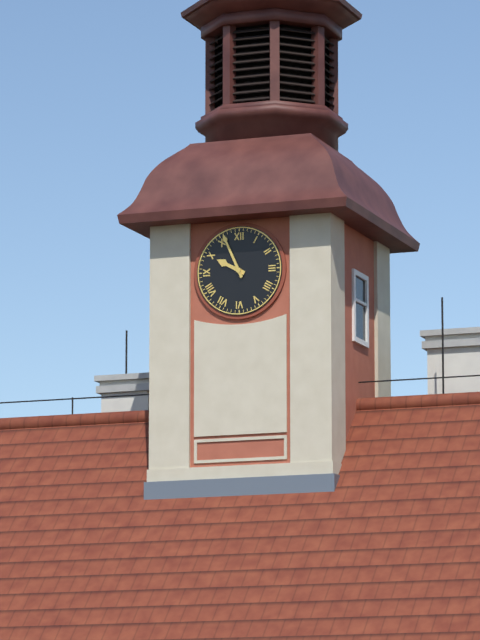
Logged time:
h=9 m=56
